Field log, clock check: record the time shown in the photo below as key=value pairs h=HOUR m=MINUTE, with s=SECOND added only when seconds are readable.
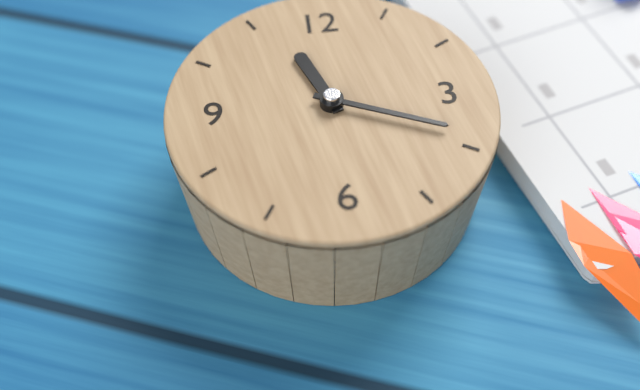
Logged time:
h=11 m=19
